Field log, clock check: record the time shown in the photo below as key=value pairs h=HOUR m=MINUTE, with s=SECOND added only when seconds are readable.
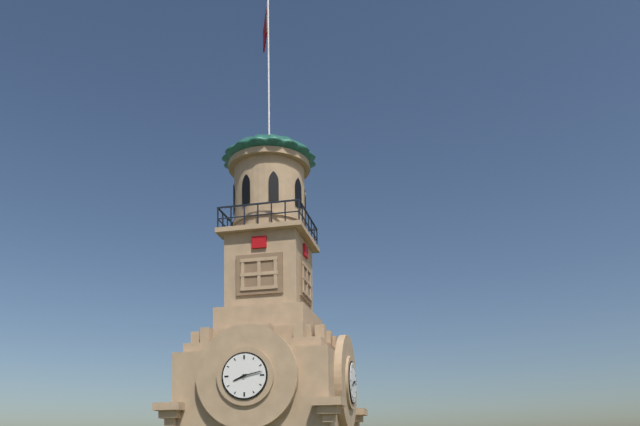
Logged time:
h=8 m=13
